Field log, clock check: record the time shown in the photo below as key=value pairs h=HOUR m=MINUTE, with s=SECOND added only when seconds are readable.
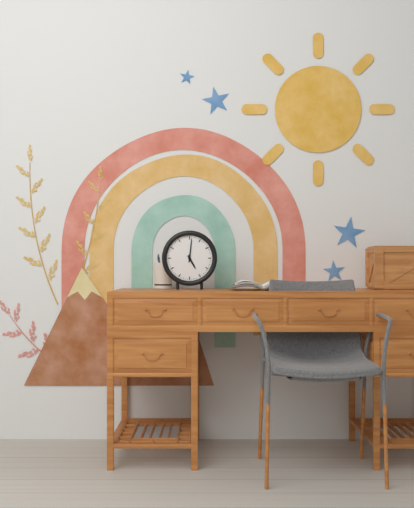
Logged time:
h=5 m=1
